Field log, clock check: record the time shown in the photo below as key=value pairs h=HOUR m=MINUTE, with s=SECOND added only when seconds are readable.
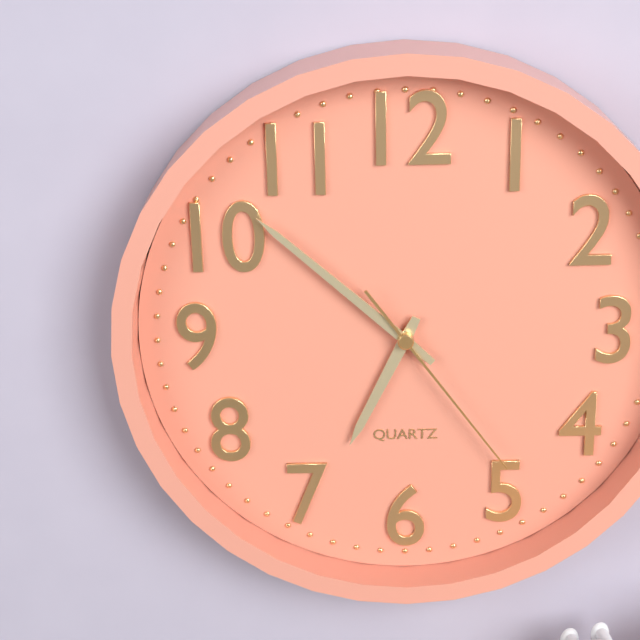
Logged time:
h=6 m=52 s=24
